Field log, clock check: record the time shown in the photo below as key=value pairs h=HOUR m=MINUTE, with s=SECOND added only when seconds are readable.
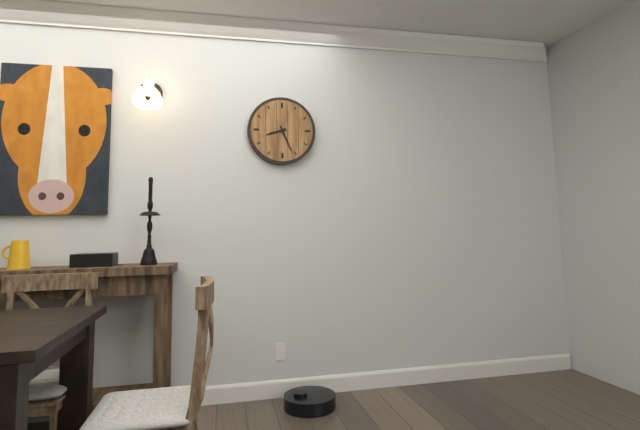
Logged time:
h=8 m=26
